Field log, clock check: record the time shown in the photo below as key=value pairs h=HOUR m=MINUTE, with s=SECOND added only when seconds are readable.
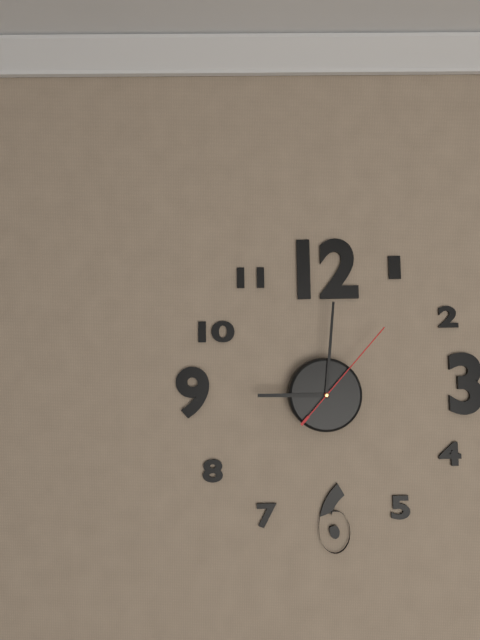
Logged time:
h=9 m=1 s=7
